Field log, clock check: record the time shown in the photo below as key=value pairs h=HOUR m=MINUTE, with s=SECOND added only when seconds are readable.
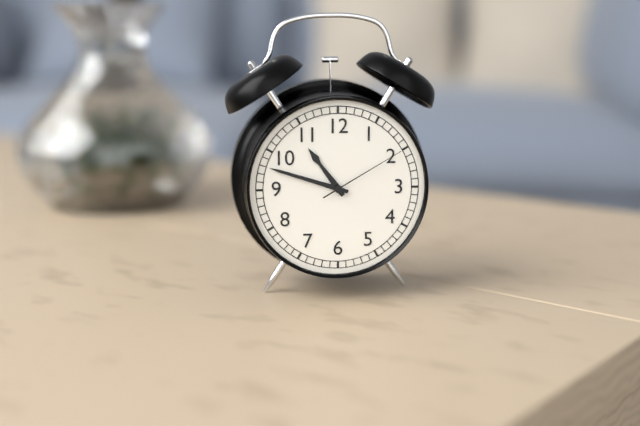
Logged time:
h=10 m=48 s=10
